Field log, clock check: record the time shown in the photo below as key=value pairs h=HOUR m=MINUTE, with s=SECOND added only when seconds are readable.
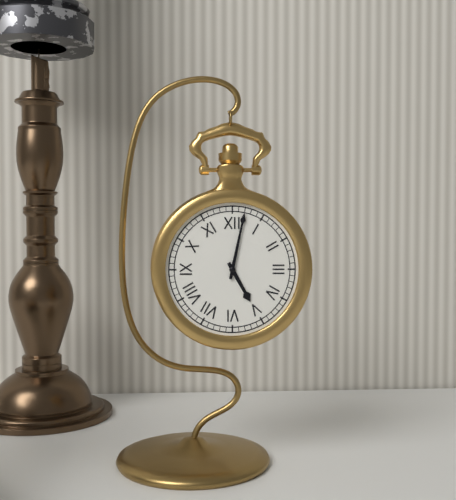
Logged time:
h=5 m=2
